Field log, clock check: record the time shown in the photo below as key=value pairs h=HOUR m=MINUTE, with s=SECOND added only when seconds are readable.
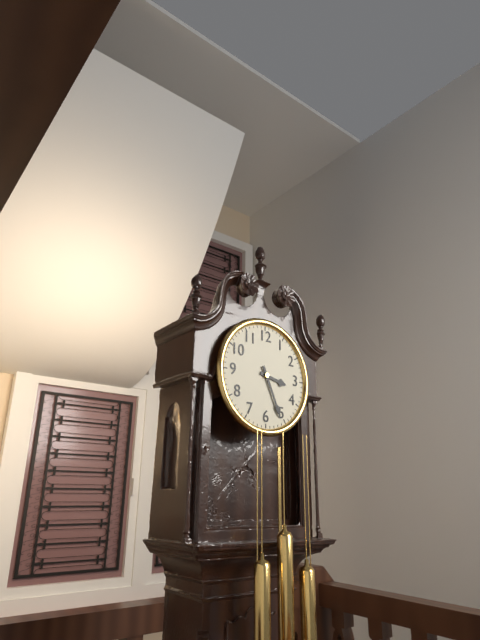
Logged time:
h=3 m=26
